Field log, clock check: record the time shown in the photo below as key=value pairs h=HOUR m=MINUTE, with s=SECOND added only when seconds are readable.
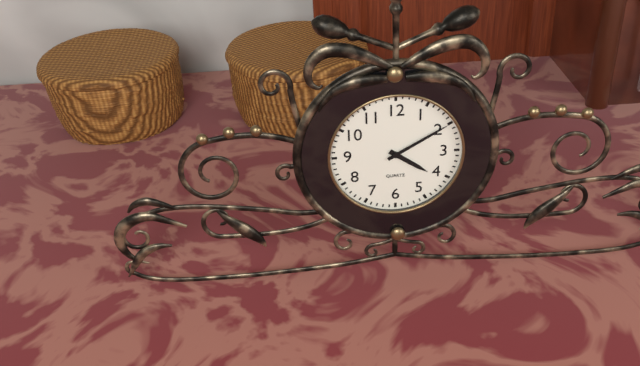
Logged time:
h=4 m=10
